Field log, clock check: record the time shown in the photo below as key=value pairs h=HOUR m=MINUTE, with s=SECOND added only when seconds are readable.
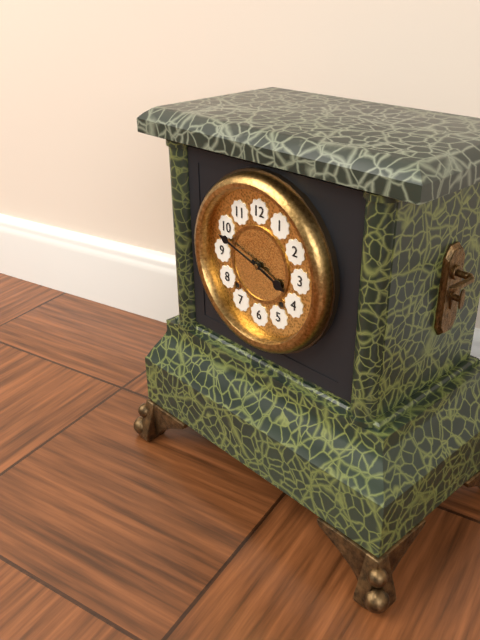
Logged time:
h=3 m=48
